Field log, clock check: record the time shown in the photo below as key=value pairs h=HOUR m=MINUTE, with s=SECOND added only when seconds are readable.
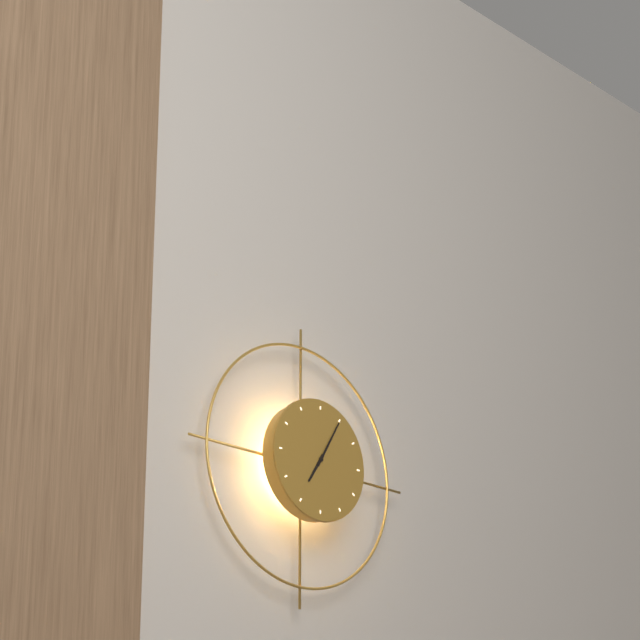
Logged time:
h=7 m=5
